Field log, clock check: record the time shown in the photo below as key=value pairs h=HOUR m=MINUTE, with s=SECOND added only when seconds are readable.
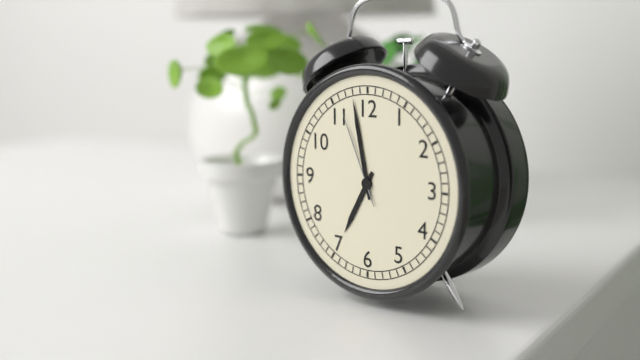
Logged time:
h=6 m=58 s=56
